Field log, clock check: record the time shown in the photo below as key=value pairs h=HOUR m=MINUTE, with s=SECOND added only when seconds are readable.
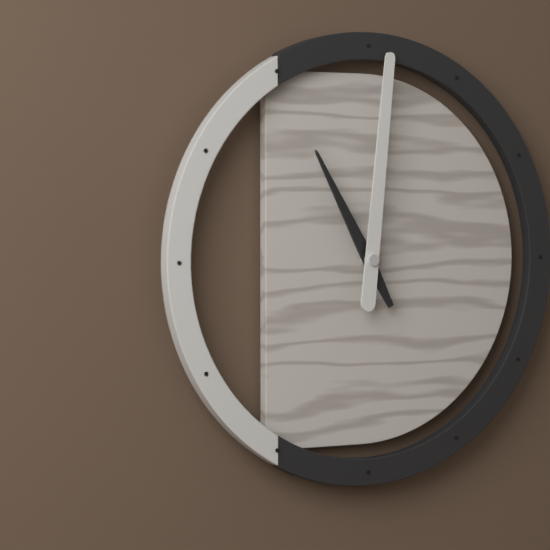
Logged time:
h=11 m=1
